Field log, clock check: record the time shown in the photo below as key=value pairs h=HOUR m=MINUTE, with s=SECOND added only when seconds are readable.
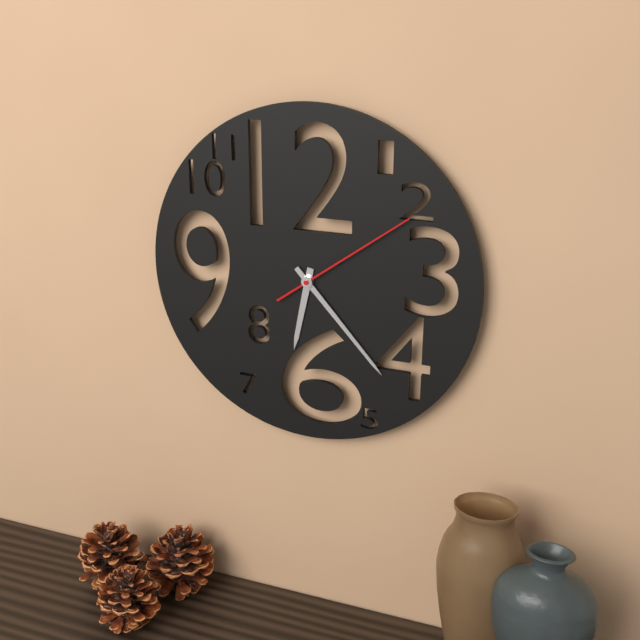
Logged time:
h=6 m=23 s=9
